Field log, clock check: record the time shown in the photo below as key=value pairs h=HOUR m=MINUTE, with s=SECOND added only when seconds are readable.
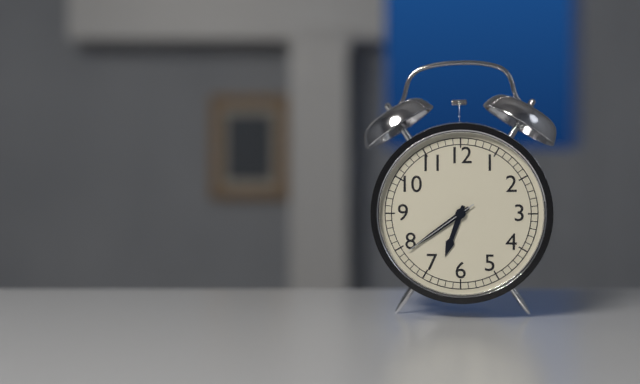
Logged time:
h=6 m=39 s=39
